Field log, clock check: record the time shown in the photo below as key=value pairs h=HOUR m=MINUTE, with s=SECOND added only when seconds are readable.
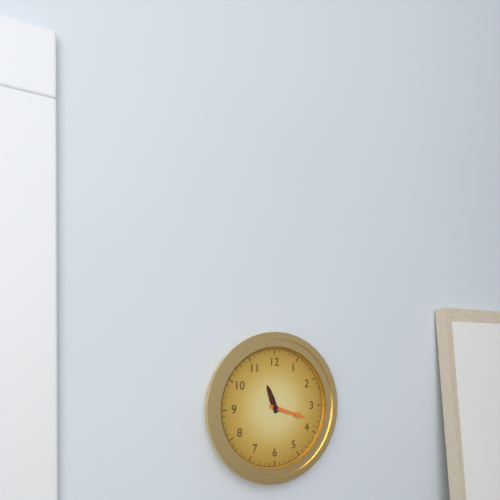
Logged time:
h=11 m=18
